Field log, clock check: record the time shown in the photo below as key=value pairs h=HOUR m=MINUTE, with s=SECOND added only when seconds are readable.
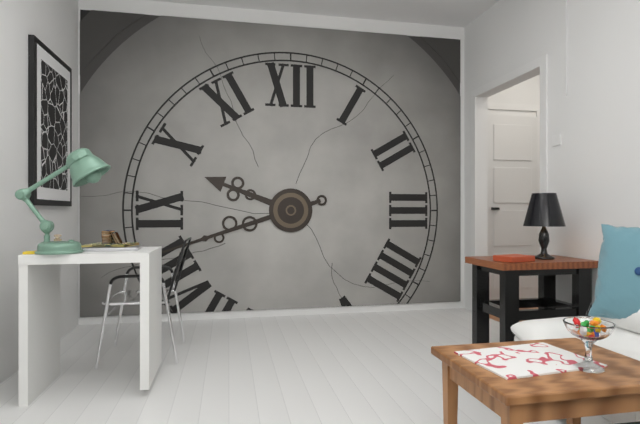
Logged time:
h=9 m=42
